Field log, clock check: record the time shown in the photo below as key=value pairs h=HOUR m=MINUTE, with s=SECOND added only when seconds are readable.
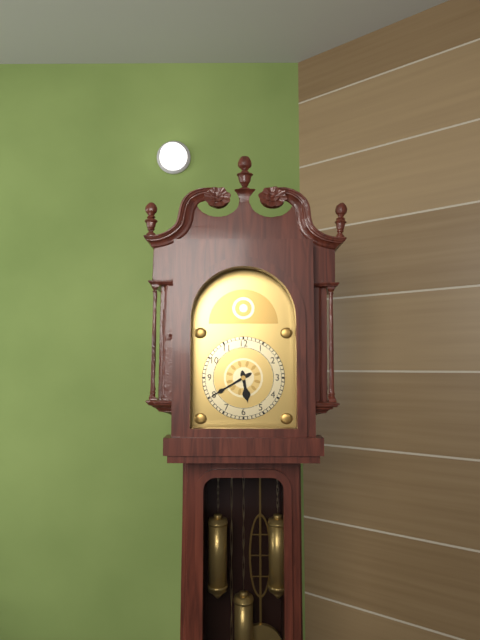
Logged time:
h=5 m=40
